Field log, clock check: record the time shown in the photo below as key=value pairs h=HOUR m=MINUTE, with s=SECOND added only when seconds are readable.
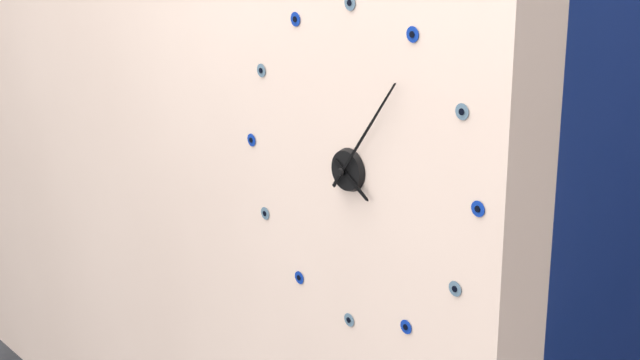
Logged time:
h=4 m=6
